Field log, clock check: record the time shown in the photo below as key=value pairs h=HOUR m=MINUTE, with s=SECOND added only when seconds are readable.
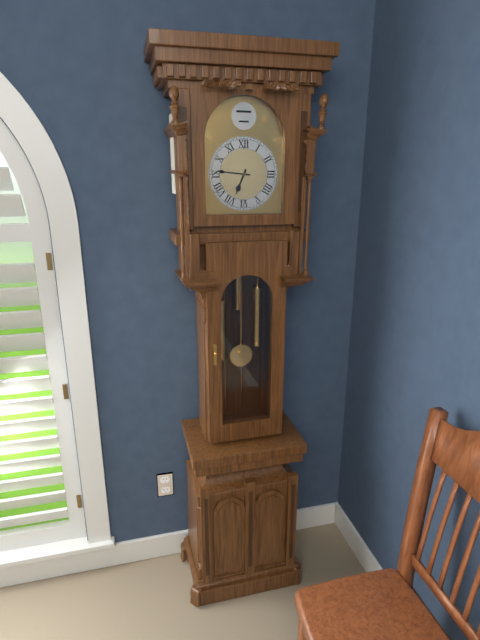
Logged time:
h=6 m=46
